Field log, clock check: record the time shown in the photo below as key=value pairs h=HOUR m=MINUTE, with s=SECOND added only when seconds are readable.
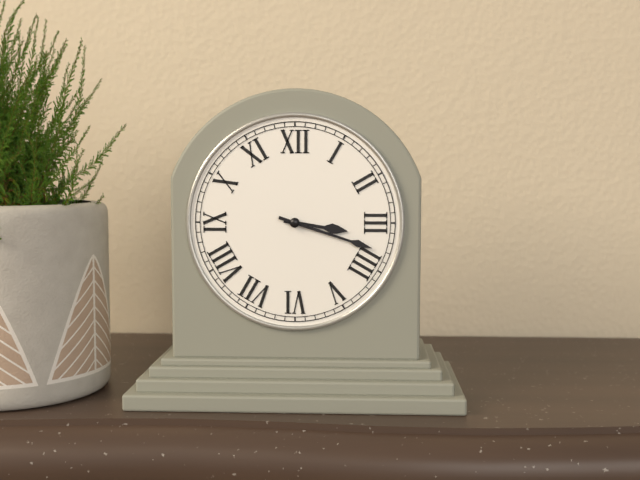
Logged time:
h=3 m=18
